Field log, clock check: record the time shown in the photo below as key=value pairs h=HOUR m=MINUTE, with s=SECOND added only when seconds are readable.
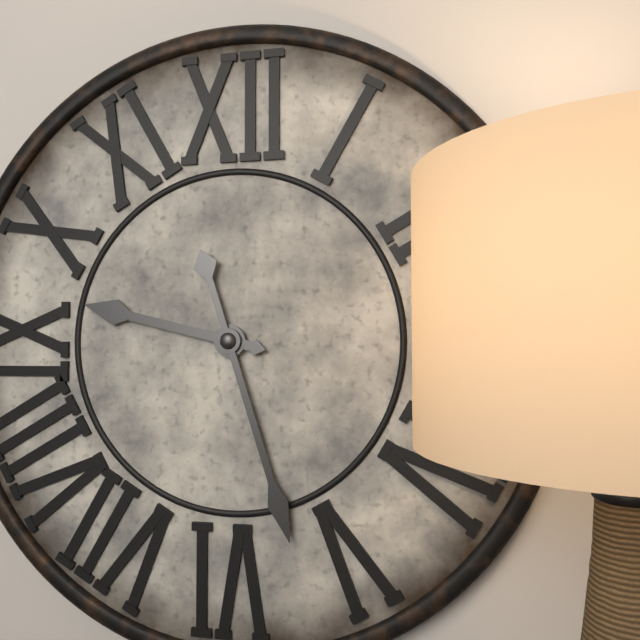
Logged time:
h=9 m=27
